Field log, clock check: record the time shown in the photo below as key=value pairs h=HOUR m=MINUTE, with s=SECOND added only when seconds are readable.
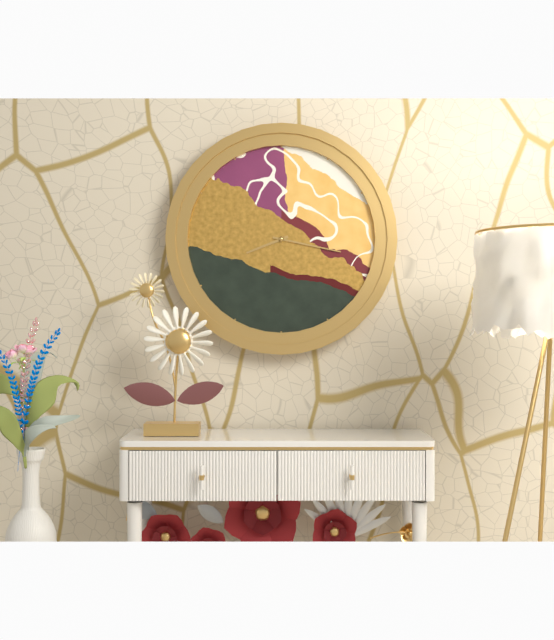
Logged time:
h=8 m=17
